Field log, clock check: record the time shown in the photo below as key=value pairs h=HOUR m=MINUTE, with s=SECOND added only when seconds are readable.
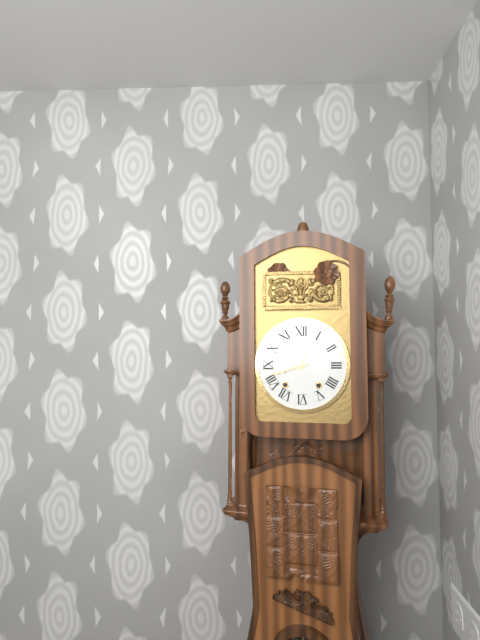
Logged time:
h=12 m=42
